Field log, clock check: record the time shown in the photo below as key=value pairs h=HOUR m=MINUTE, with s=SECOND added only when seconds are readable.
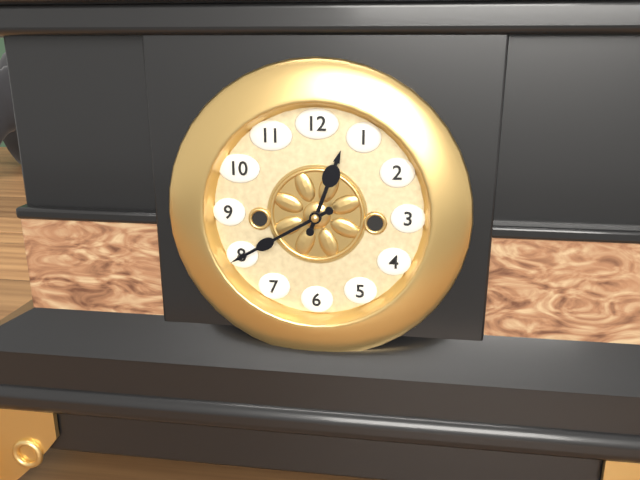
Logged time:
h=12 m=40
